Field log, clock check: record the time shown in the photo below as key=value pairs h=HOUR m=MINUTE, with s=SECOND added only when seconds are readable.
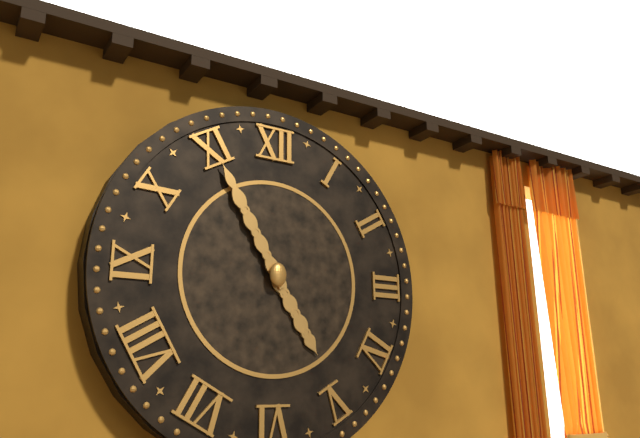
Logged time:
h=4 m=55
